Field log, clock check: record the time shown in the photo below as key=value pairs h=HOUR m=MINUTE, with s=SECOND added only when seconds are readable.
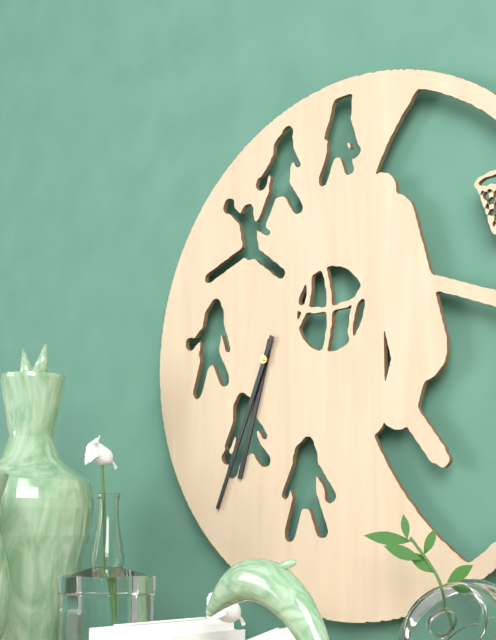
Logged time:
h=6 m=34
